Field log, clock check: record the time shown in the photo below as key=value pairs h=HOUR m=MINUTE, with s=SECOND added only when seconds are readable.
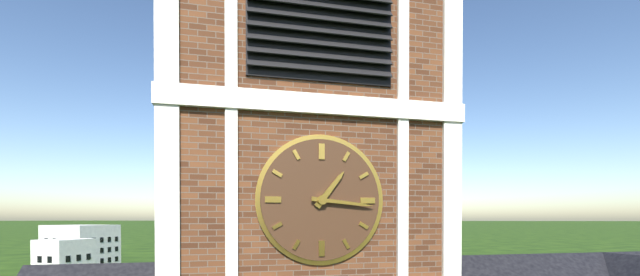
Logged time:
h=1 m=16
